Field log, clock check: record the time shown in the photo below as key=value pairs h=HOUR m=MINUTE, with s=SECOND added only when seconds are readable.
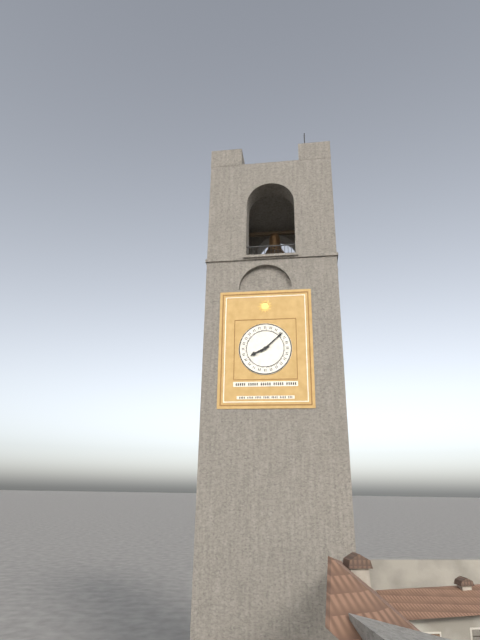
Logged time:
h=8 m=8
